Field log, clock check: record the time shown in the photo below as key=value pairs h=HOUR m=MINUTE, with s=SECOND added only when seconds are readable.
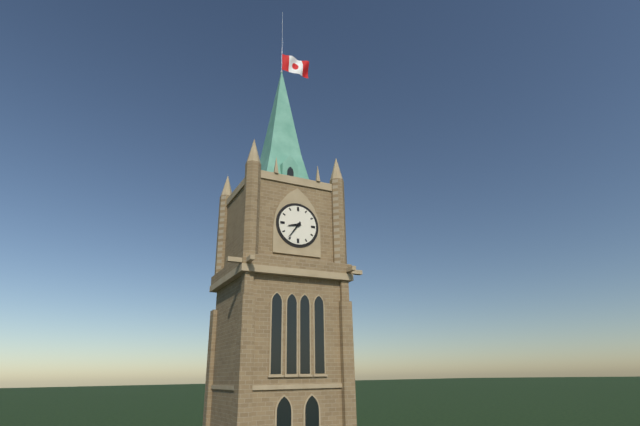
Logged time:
h=8 m=36
